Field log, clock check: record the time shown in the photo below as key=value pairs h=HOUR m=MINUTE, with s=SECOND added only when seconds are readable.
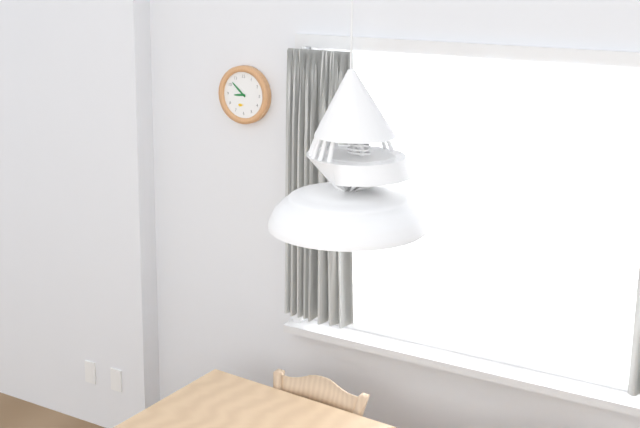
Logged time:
h=8 m=52
